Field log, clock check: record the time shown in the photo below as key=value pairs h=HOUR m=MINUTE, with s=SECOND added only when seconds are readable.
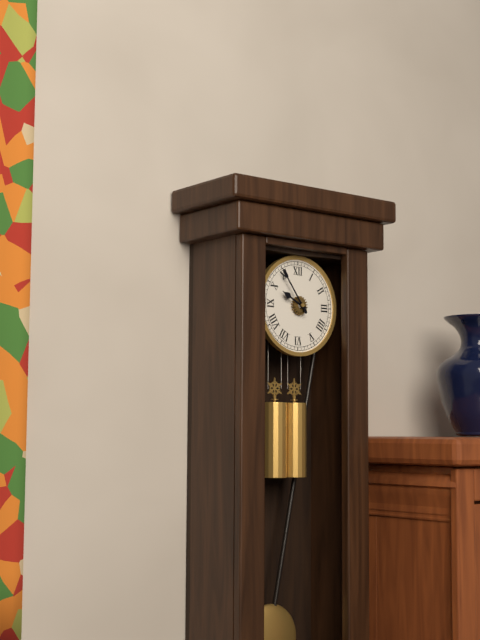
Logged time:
h=9 m=54
